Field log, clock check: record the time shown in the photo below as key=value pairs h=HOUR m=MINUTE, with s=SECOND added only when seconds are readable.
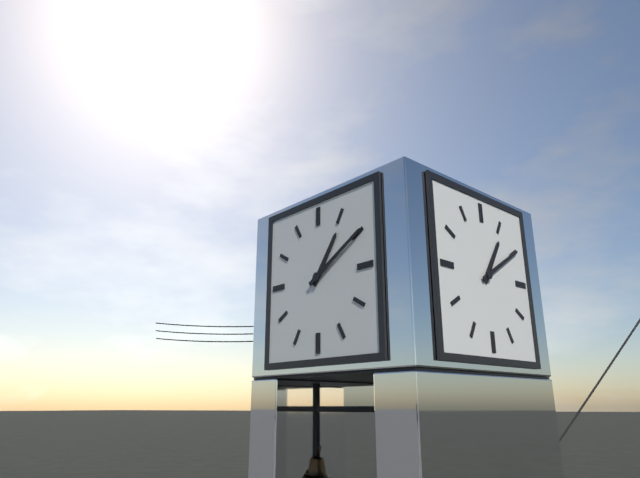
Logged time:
h=1 m=10
